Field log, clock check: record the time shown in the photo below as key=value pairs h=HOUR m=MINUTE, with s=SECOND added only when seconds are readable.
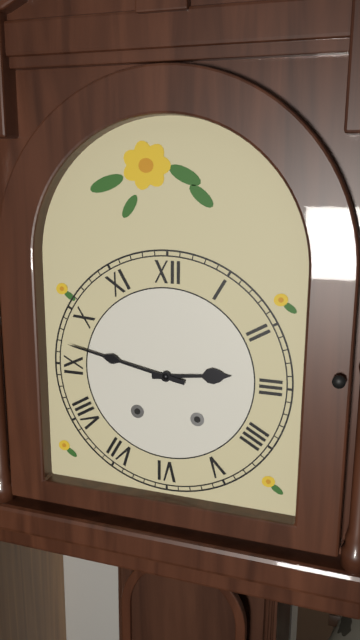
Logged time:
h=2 m=47
